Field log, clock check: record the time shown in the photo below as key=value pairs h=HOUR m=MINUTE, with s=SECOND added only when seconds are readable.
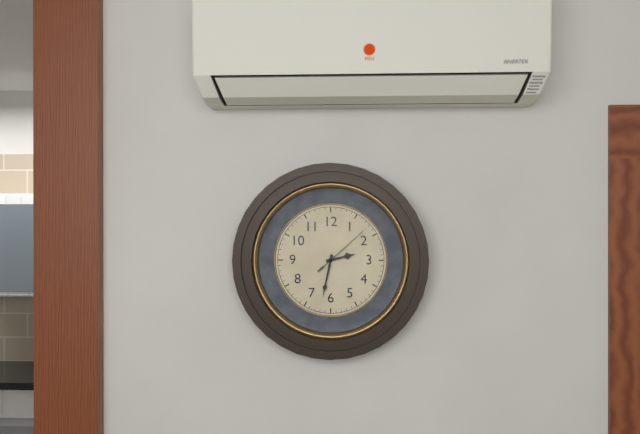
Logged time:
h=2 m=32 s=8
